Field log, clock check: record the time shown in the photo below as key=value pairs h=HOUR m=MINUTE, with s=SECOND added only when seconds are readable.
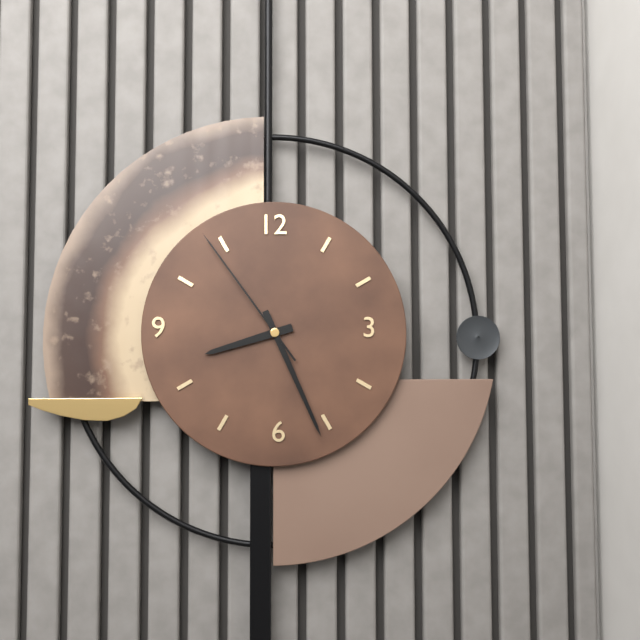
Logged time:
h=8 m=26 s=54
